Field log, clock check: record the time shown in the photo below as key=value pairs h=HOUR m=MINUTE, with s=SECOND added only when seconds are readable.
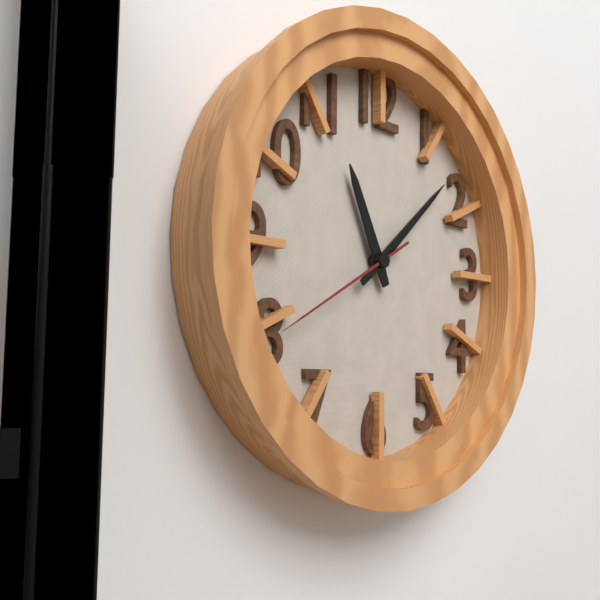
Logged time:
h=11 m=8 s=40
